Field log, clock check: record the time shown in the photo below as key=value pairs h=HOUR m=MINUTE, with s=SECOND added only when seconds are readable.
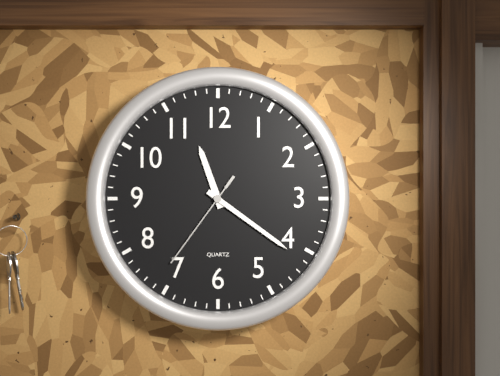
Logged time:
h=11 m=21 s=36
